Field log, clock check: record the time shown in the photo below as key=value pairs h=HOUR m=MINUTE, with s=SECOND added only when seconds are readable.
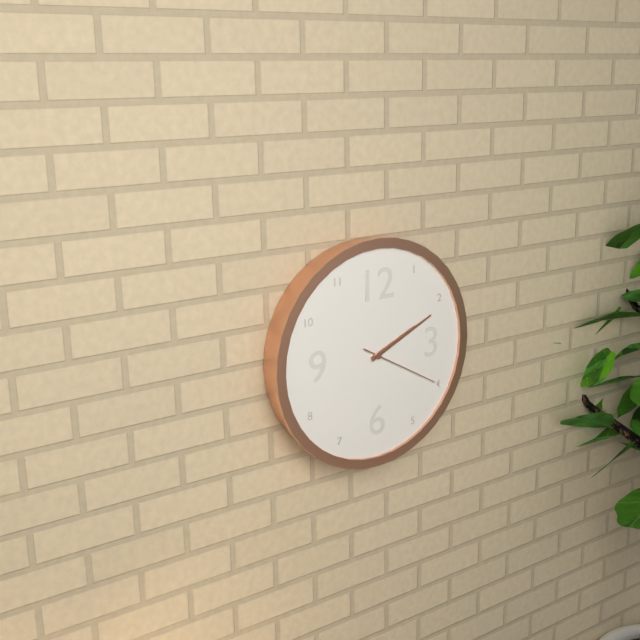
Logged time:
h=2 m=11 s=20
